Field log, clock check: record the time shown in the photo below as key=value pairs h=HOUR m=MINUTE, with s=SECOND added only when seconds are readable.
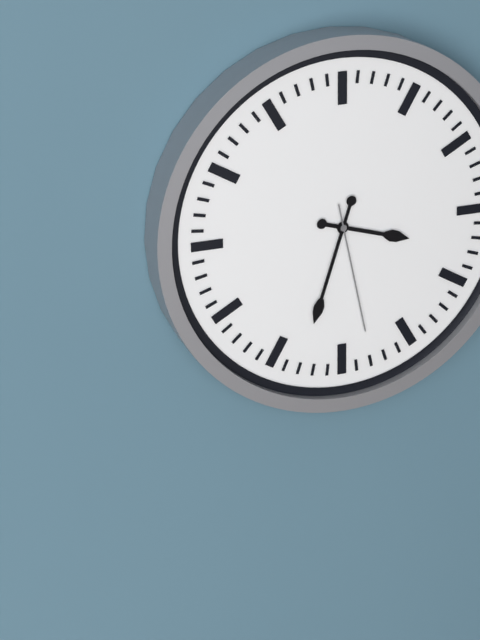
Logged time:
h=3 m=33 s=28
